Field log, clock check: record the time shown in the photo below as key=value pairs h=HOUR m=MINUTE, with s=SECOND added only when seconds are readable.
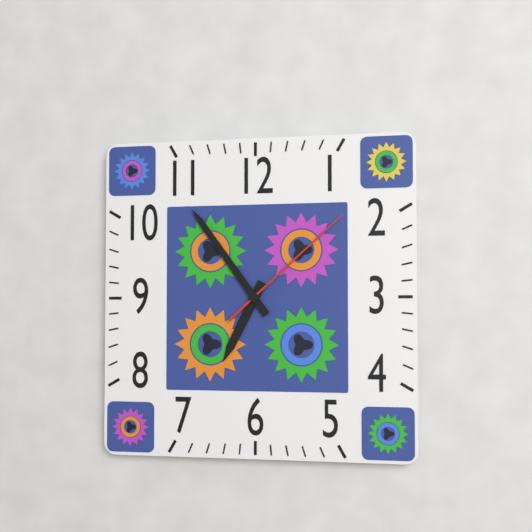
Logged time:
h=6 m=54 s=8
